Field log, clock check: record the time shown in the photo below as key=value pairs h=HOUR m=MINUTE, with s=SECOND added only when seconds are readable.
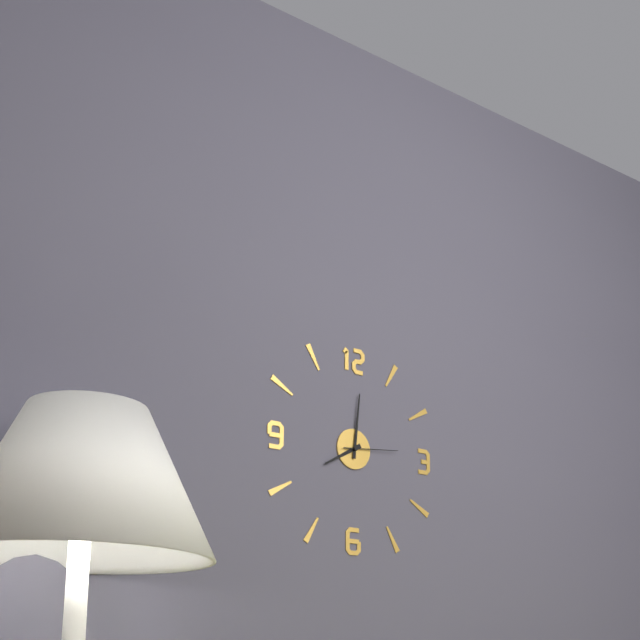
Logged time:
h=8 m=1 s=14
